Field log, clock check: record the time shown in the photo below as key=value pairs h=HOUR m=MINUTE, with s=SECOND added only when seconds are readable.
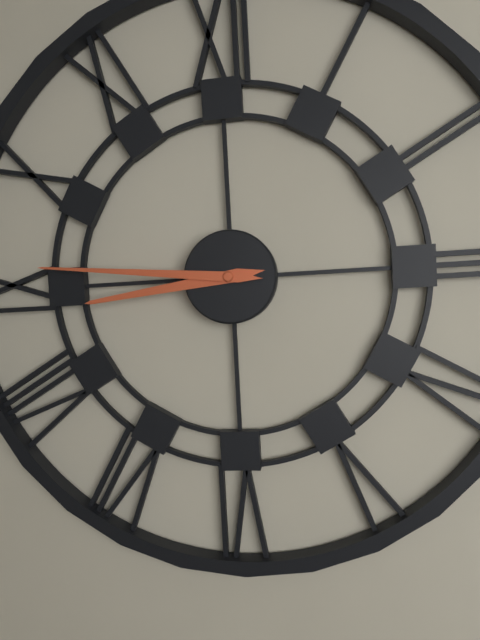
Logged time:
h=8 m=46
